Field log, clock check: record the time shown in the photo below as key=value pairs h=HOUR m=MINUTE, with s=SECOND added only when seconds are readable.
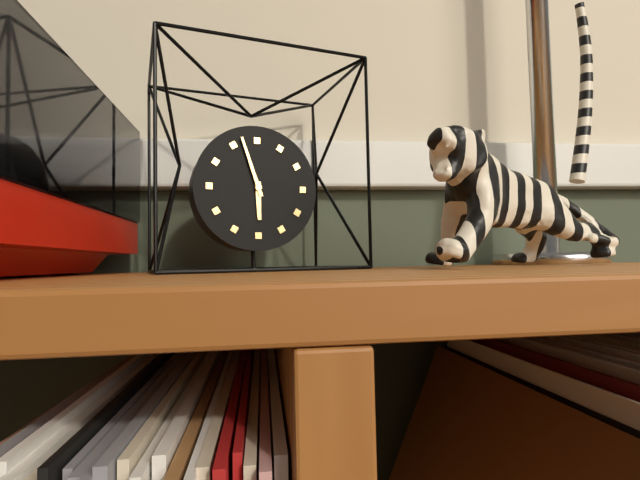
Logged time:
h=5 m=57
